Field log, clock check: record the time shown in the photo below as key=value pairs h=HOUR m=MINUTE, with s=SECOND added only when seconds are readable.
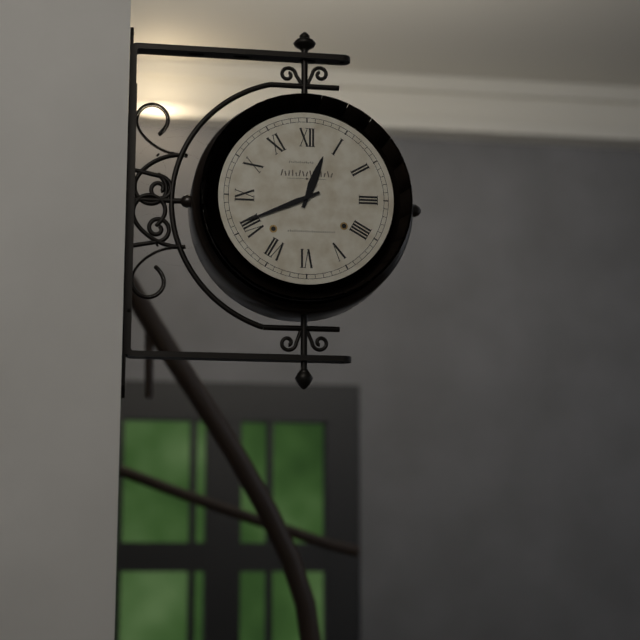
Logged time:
h=12 m=41
